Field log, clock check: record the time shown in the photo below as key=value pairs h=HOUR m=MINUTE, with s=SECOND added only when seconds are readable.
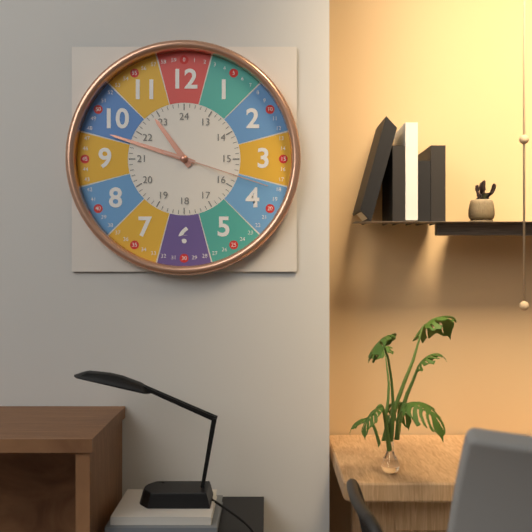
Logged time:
h=10 m=48 s=18
